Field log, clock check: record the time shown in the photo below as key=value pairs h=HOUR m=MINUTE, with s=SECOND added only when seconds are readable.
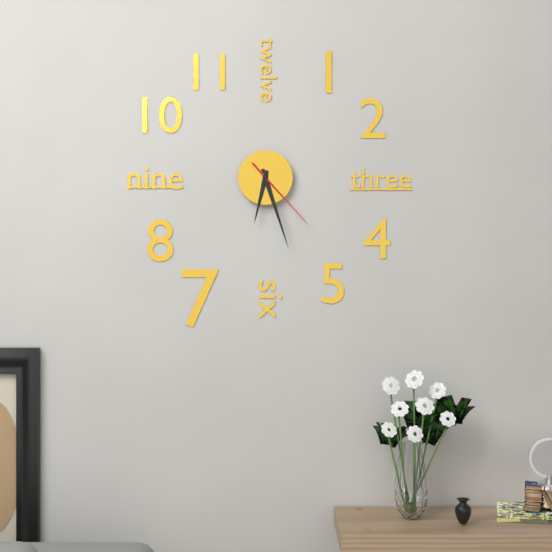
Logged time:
h=6 m=27 s=23
